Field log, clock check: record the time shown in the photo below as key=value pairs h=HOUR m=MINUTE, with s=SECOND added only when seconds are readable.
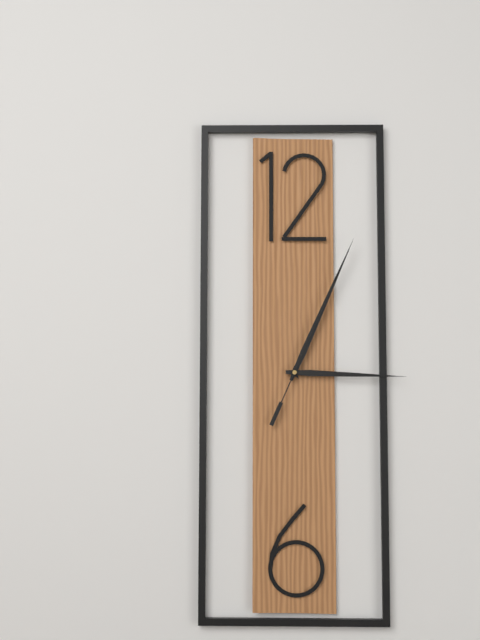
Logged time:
h=3 m=4 s=4
